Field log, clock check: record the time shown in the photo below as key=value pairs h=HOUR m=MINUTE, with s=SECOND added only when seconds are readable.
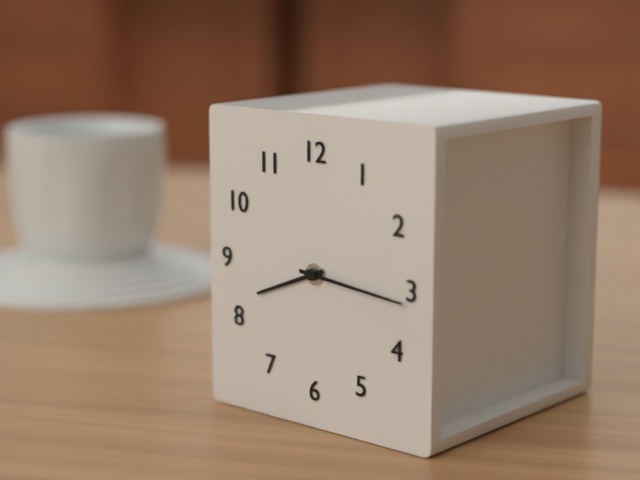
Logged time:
h=8 m=16
